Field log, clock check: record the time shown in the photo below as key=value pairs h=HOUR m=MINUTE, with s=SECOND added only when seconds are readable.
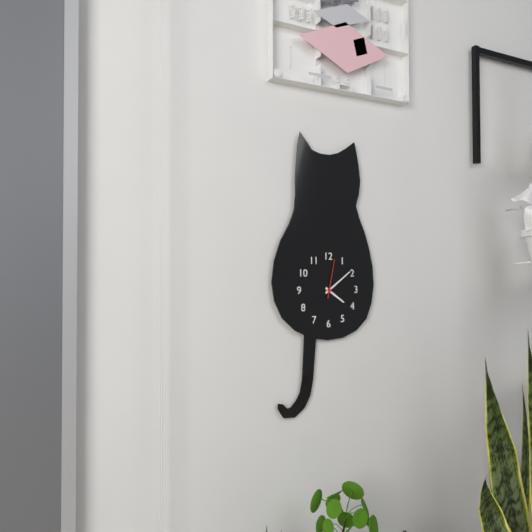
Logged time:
h=4 m=9
